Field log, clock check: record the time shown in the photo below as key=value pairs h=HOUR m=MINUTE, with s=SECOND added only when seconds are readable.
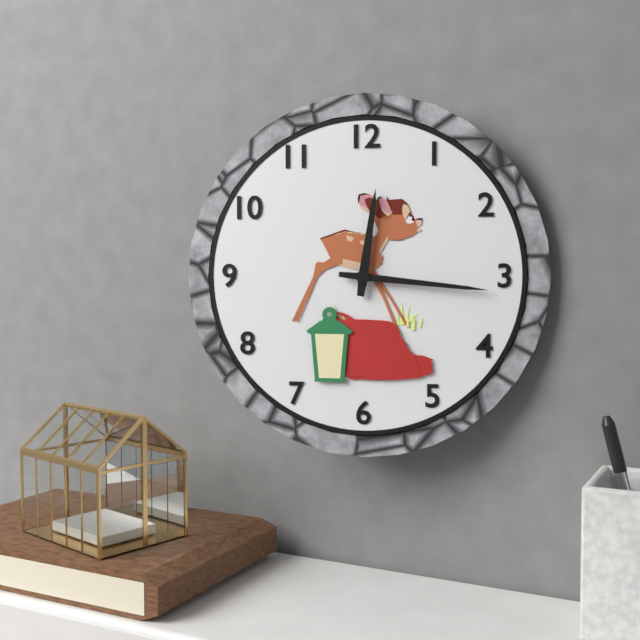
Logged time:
h=12 m=16
